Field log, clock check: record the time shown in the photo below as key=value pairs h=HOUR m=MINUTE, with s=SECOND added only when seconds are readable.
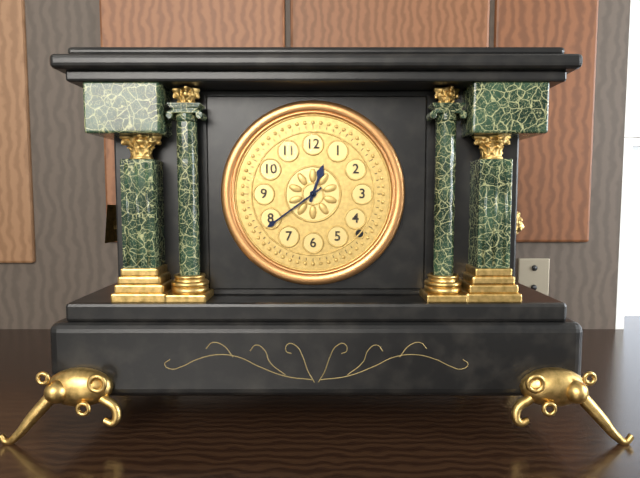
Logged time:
h=12 m=39
